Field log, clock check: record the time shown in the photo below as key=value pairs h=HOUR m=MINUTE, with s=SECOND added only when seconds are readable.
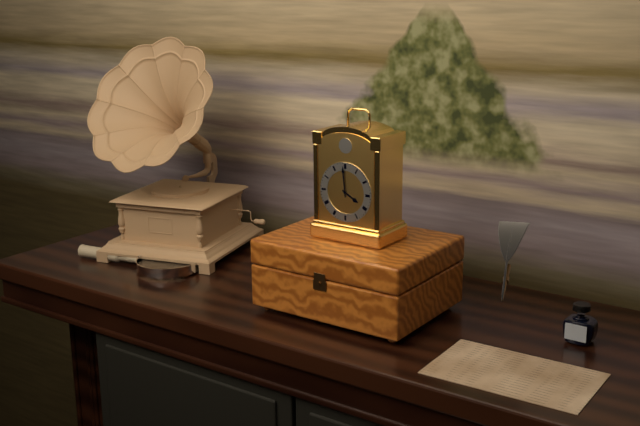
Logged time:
h=3 m=59
